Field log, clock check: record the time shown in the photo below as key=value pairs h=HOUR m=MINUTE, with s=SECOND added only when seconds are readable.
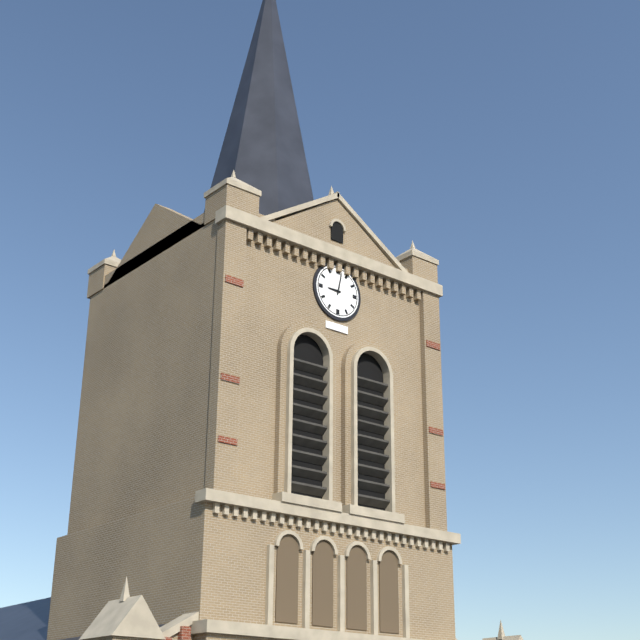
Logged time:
h=9 m=2
